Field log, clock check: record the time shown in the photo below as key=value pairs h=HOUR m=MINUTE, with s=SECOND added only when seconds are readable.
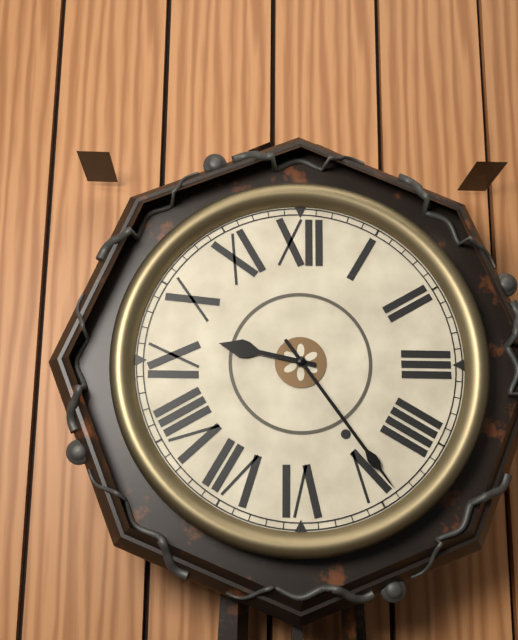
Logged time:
h=9 m=24
